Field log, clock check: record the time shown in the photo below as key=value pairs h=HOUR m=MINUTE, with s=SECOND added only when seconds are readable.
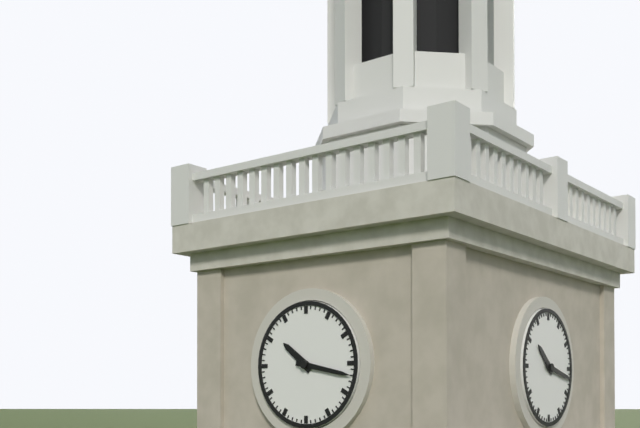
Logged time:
h=10 m=17
